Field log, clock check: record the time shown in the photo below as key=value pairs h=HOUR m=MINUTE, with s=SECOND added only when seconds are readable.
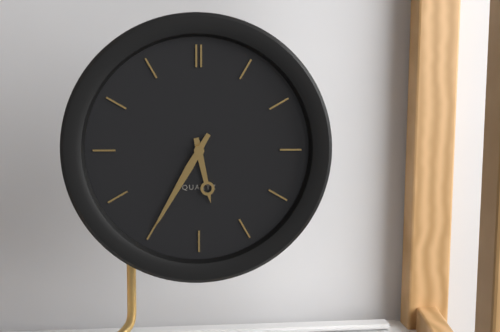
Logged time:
h=5 m=35
